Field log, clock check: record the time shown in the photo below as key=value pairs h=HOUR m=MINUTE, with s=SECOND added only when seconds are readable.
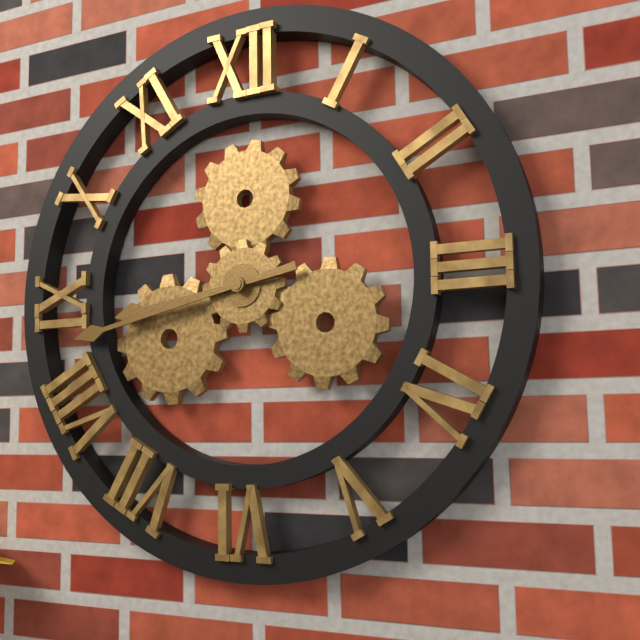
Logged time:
h=8 m=43
